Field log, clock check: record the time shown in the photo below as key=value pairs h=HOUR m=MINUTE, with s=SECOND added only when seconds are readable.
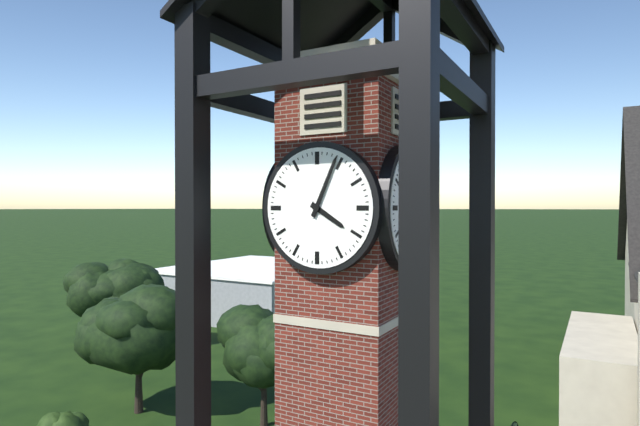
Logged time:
h=4 m=4
